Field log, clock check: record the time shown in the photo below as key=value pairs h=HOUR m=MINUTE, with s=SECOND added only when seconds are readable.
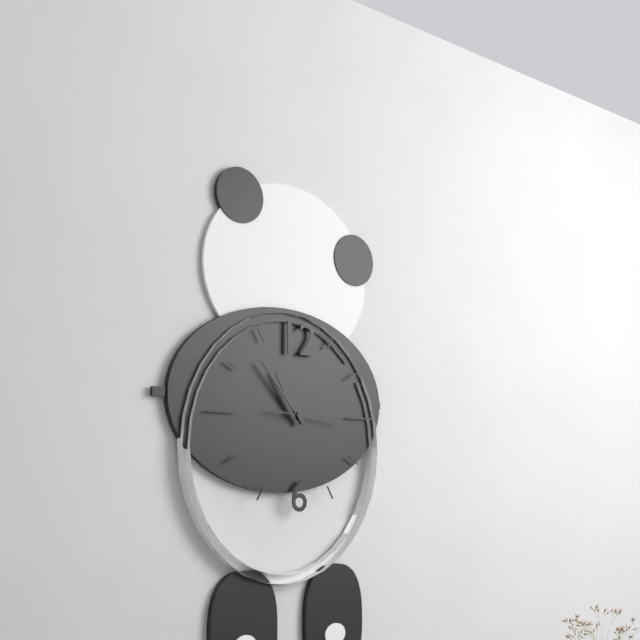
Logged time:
h=10 m=53 s=16
